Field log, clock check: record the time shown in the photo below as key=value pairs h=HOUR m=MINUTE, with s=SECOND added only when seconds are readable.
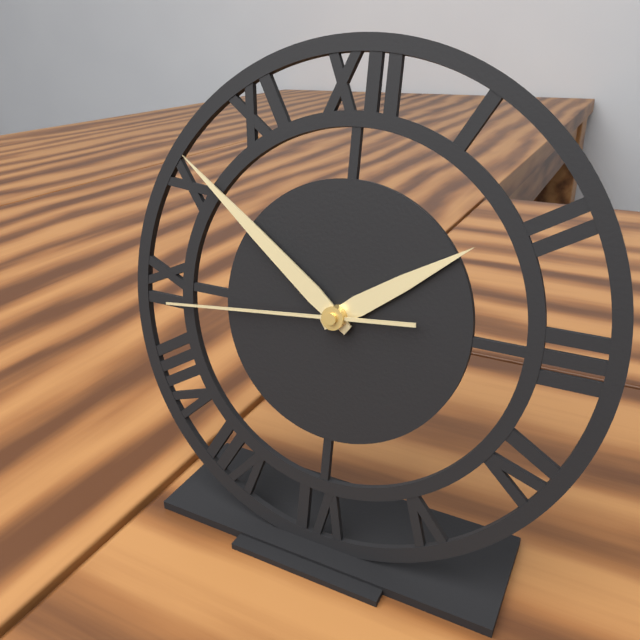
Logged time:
h=1 m=51 s=44
